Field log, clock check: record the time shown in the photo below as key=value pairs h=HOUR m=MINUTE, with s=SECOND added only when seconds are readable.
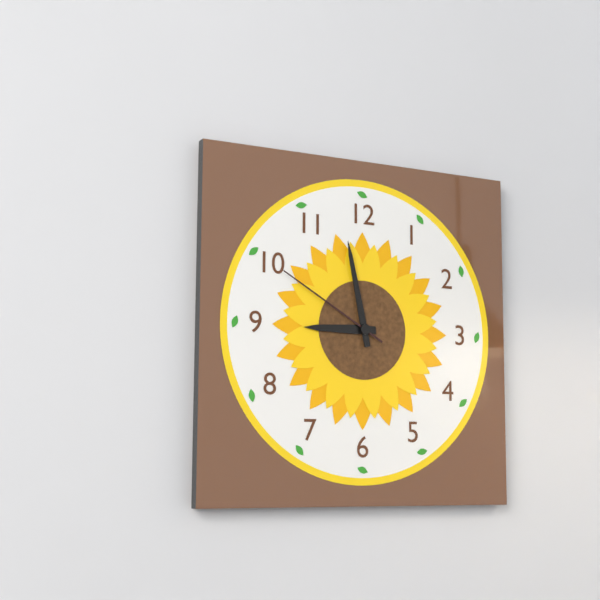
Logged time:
h=8 m=58 s=50
